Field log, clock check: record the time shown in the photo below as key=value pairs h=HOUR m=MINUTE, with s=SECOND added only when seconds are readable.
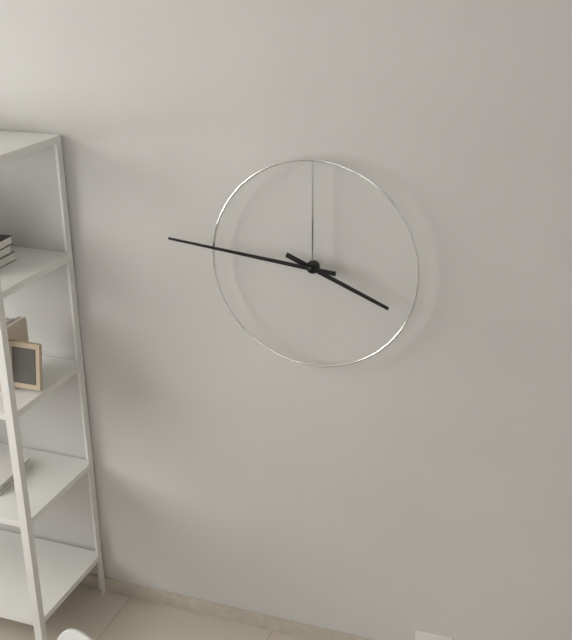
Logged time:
h=3 m=46
